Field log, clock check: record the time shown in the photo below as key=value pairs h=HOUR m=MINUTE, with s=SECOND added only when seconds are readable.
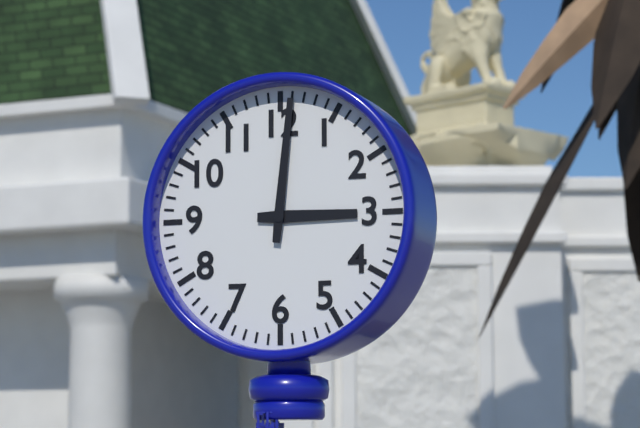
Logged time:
h=3 m=1
